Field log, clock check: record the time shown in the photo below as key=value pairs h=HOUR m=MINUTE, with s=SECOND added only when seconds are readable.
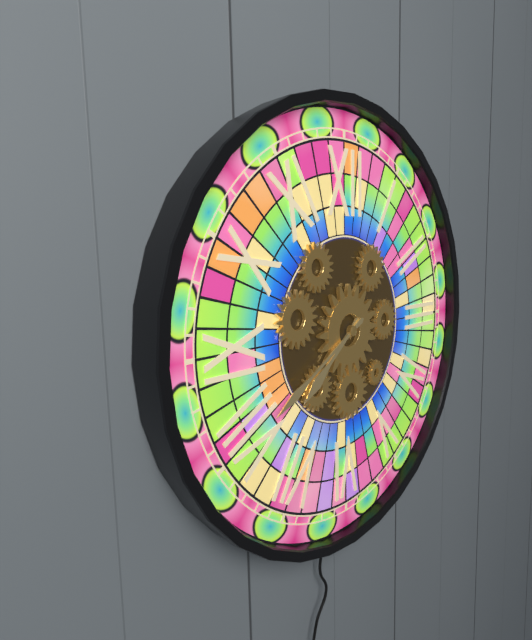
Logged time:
h=7 m=40
